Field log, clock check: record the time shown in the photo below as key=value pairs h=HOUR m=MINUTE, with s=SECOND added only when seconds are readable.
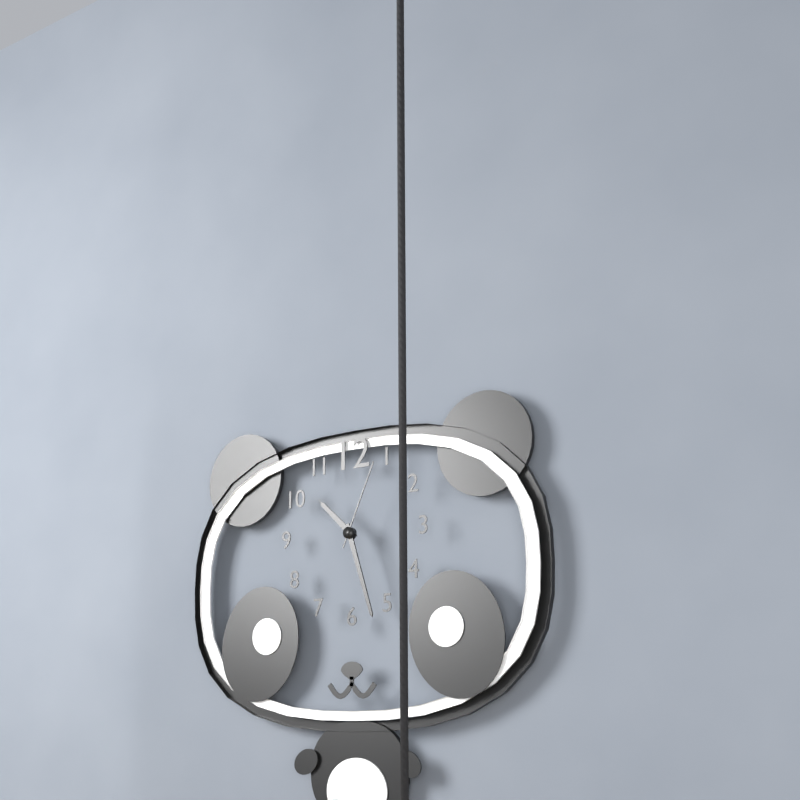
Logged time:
h=10 m=27 s=4
